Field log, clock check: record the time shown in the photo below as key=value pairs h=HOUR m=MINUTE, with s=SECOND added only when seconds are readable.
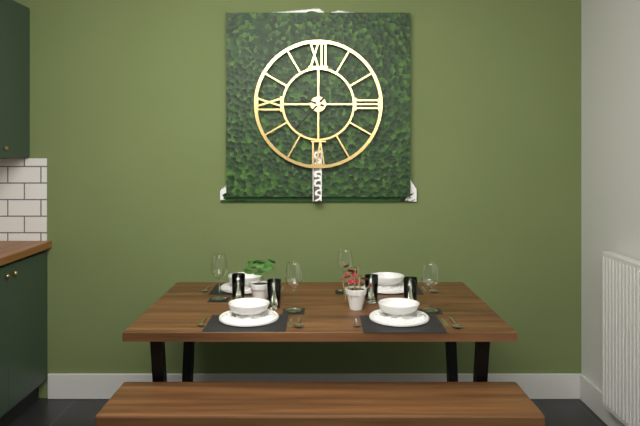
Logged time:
h=9 m=37
